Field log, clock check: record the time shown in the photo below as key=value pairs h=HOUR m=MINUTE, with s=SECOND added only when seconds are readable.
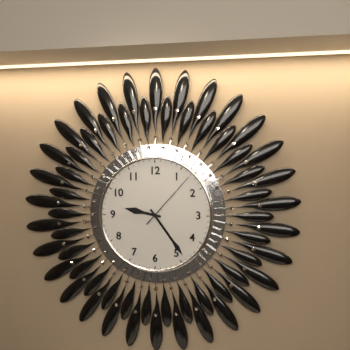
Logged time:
h=9 m=24 s=7
